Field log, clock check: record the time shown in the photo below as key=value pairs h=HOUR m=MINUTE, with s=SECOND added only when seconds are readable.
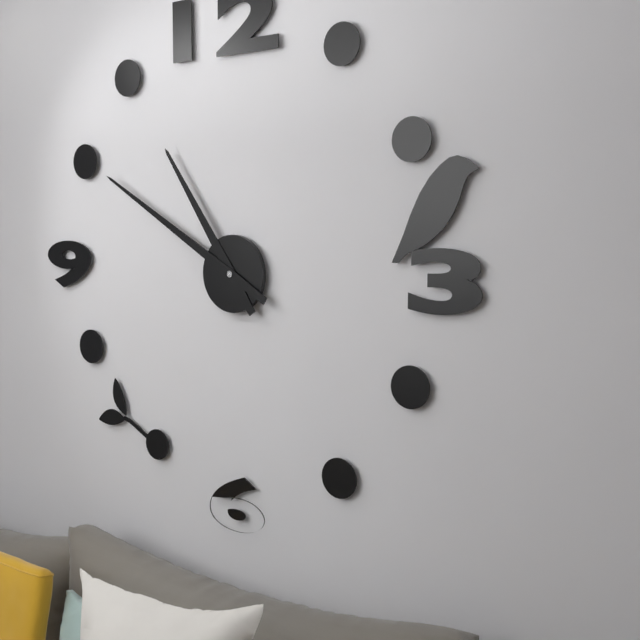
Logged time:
h=10 m=50
